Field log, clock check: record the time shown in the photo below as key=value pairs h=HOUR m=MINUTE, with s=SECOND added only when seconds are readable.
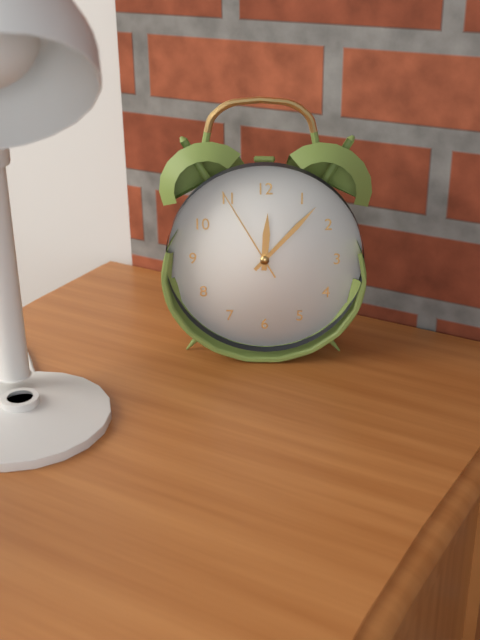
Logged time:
h=12 m=7 s=55
